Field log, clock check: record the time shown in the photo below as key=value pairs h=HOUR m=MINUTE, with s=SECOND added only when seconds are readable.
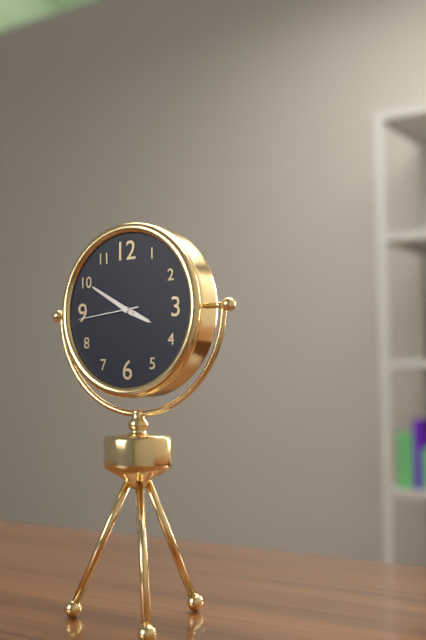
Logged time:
h=3 m=50 s=44
